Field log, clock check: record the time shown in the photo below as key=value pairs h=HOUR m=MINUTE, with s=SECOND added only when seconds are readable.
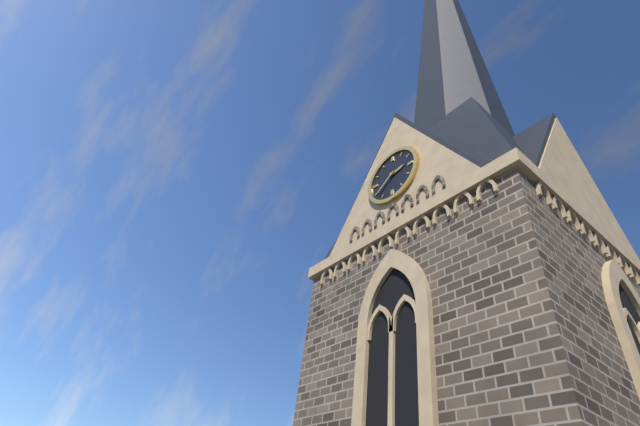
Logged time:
h=2 m=39
